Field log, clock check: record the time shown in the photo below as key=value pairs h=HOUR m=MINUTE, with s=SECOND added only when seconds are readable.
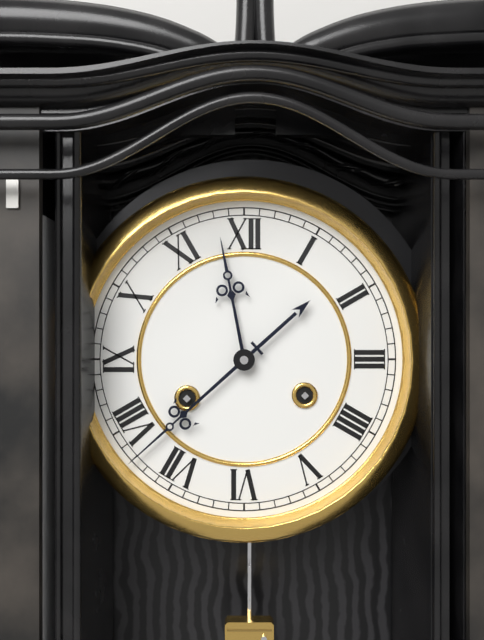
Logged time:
h=11 m=38
